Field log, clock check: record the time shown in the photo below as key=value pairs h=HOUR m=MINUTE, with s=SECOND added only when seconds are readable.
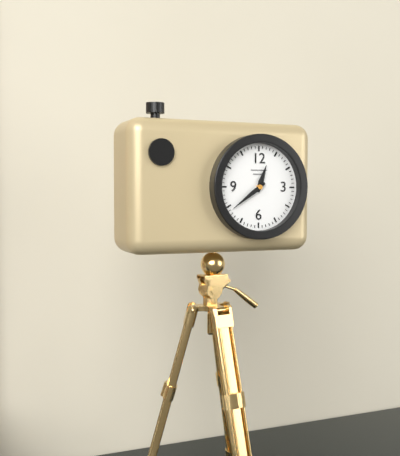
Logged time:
h=12 m=39
